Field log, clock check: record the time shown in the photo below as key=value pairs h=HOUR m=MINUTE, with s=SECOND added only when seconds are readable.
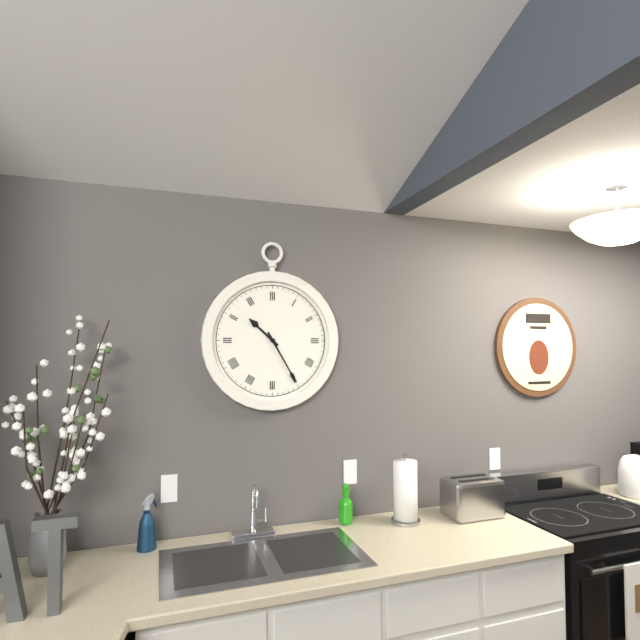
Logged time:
h=10 m=25
